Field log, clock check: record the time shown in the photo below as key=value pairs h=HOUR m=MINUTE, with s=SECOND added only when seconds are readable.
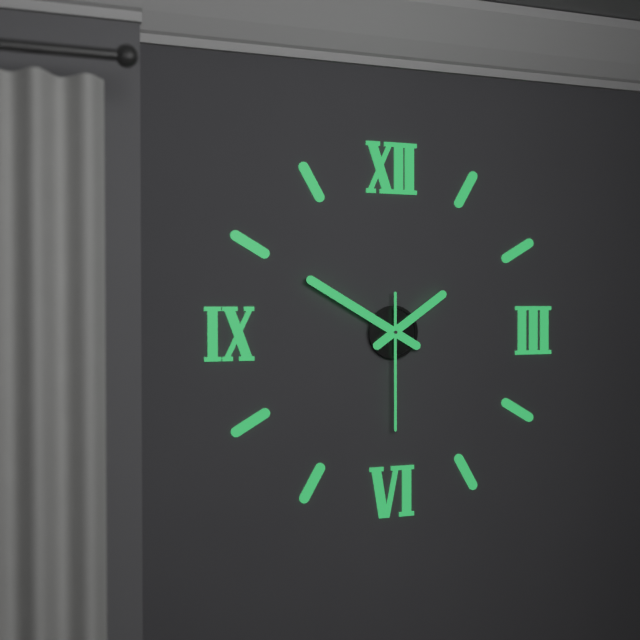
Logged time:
h=1 m=50 s=30
